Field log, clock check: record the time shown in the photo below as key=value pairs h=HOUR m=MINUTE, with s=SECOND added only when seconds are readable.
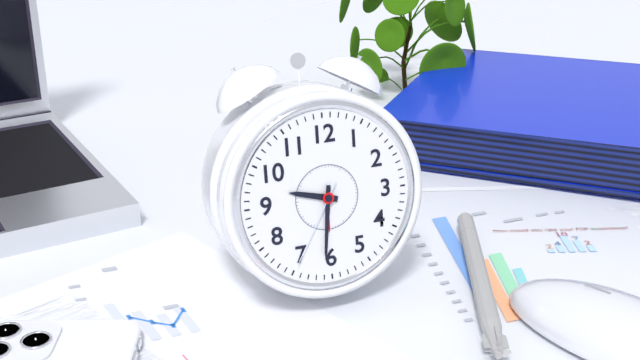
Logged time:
h=9 m=31 s=35
